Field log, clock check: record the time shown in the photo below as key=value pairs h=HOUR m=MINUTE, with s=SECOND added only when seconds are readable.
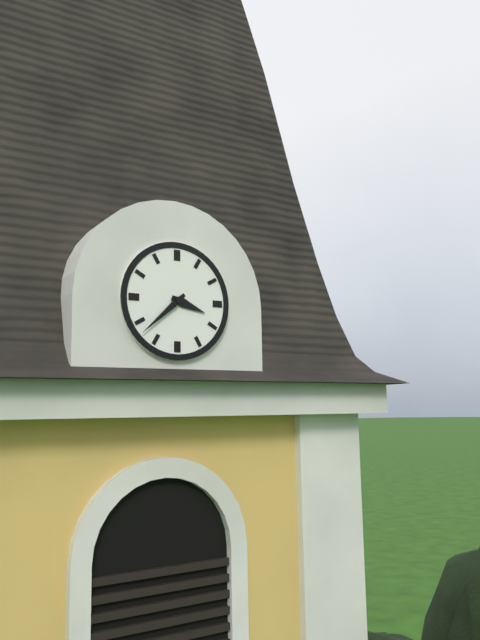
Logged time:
h=3 m=38
